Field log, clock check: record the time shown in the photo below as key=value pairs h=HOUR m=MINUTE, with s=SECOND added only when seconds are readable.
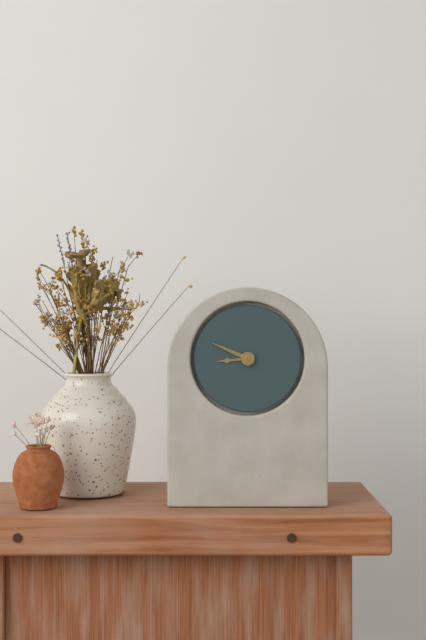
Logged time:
h=8 m=49
